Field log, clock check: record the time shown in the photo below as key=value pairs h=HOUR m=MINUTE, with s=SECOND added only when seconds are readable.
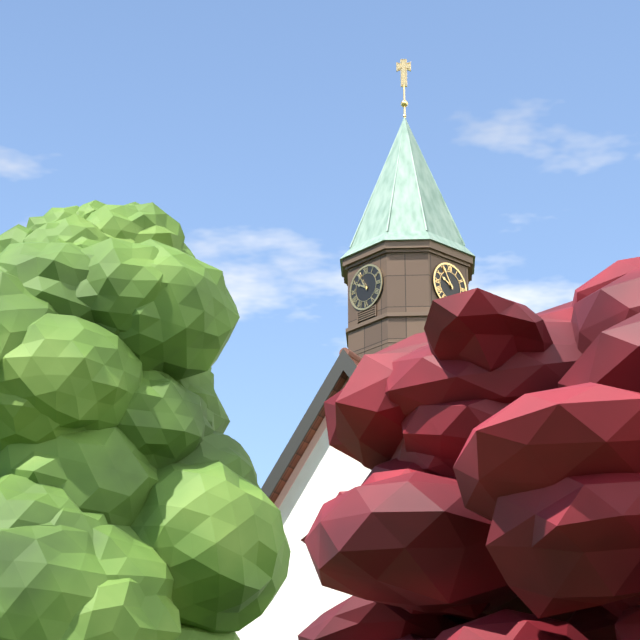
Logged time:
h=9 m=55
